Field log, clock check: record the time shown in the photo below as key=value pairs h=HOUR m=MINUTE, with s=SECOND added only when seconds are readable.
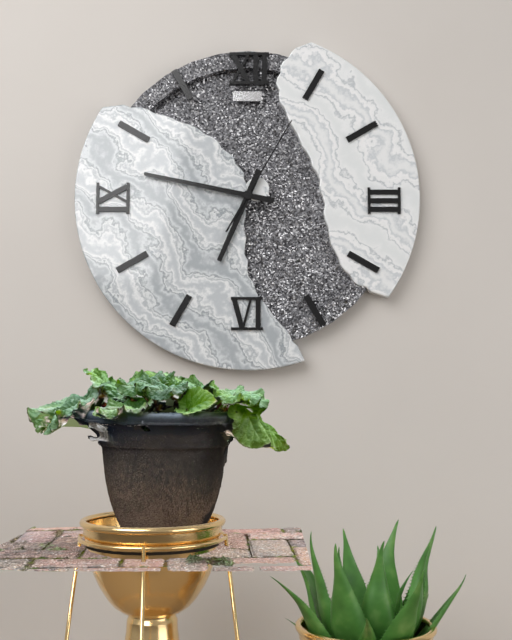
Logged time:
h=6 m=47 s=5
